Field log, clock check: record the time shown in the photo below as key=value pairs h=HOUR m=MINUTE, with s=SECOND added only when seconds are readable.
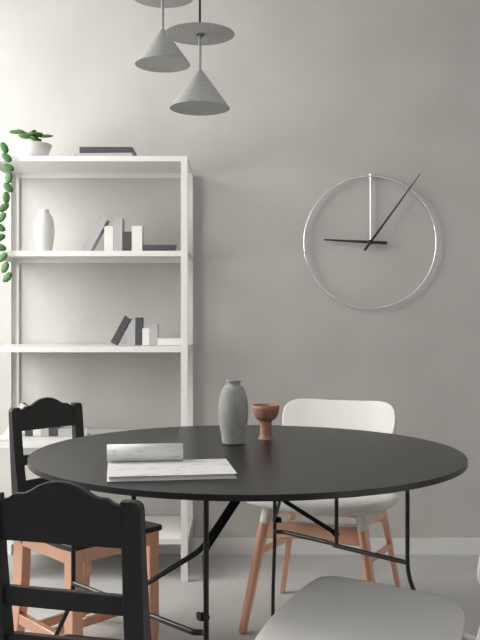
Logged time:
h=9 m=6
